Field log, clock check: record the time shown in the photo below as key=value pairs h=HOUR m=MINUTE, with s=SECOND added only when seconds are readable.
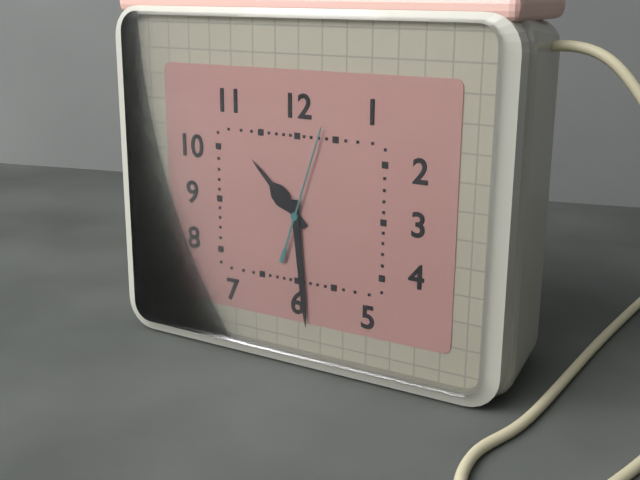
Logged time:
h=10 m=29 s=3
